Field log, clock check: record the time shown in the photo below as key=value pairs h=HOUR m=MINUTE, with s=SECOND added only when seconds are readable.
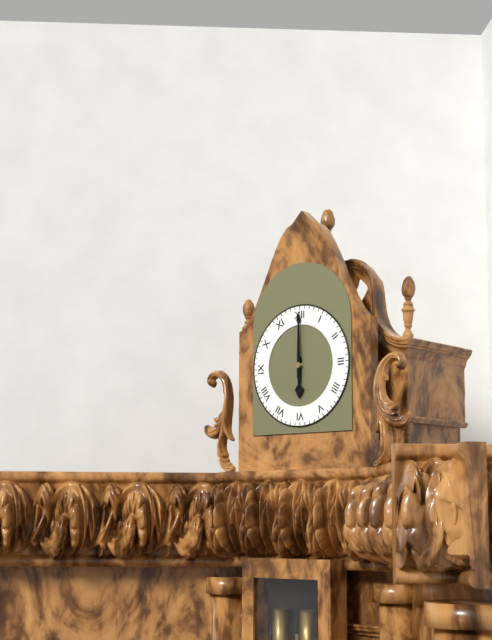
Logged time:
h=6 m=0
